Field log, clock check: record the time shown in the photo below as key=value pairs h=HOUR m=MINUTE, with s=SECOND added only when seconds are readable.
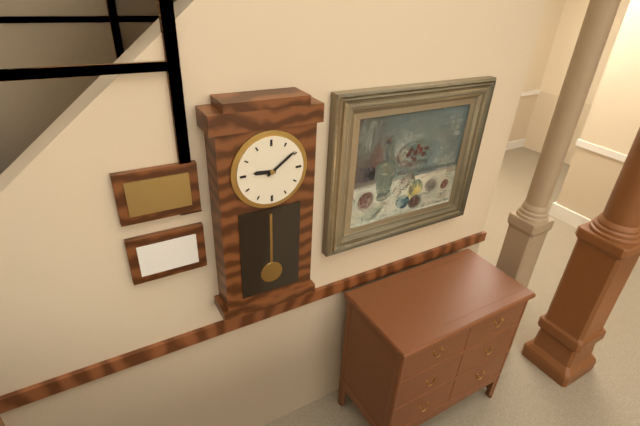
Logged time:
h=9 m=9
